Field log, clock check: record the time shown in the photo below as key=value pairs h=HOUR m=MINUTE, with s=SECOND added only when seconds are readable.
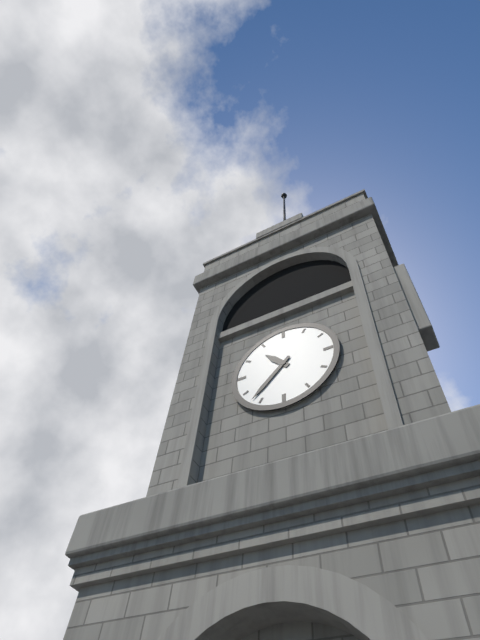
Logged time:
h=10 m=37
